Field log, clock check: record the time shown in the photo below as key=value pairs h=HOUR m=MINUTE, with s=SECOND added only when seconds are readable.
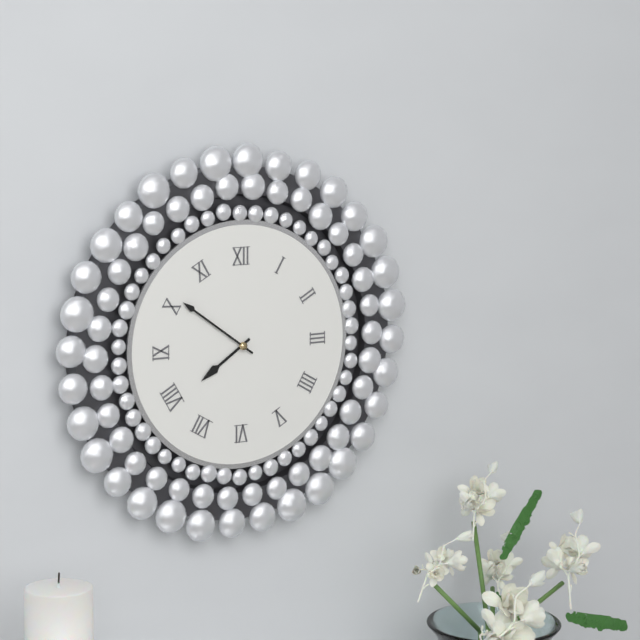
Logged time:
h=7 m=51
